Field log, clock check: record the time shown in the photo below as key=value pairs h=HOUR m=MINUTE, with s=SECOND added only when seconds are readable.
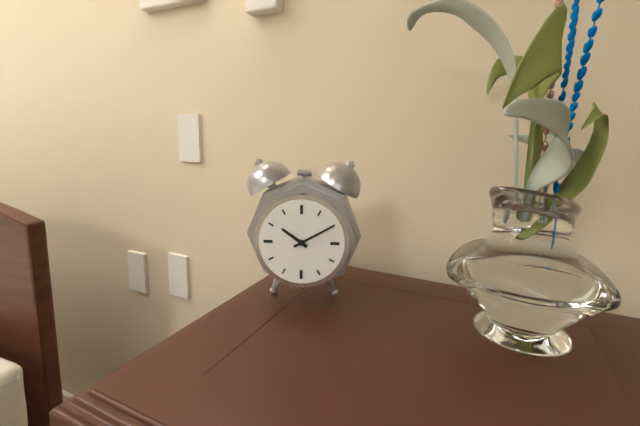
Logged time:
h=10 m=10
